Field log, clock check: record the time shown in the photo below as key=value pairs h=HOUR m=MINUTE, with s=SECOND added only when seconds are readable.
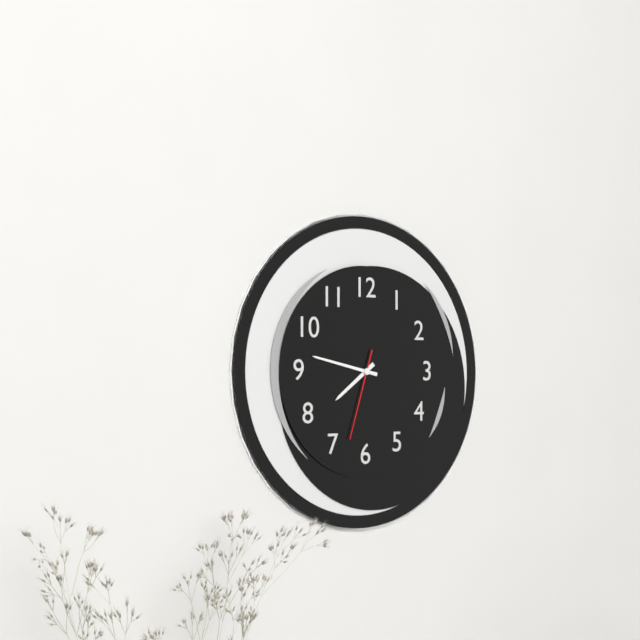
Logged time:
h=7 m=47 s=33
